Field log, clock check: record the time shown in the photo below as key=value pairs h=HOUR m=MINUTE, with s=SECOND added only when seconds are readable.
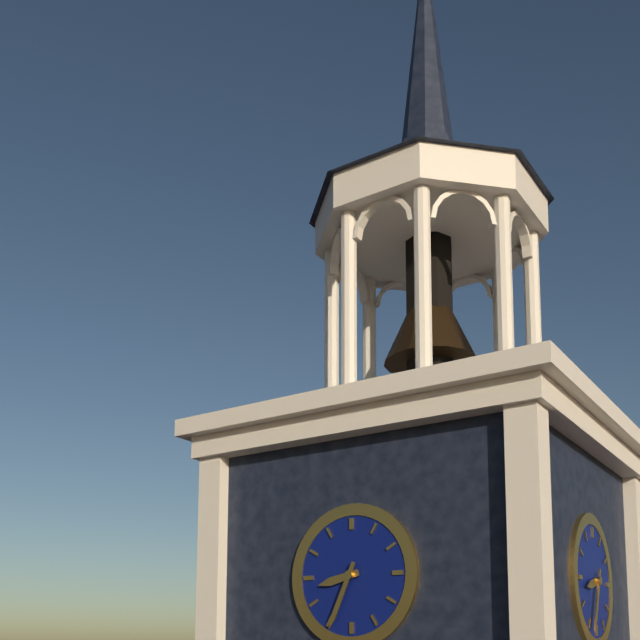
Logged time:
h=8 m=34
